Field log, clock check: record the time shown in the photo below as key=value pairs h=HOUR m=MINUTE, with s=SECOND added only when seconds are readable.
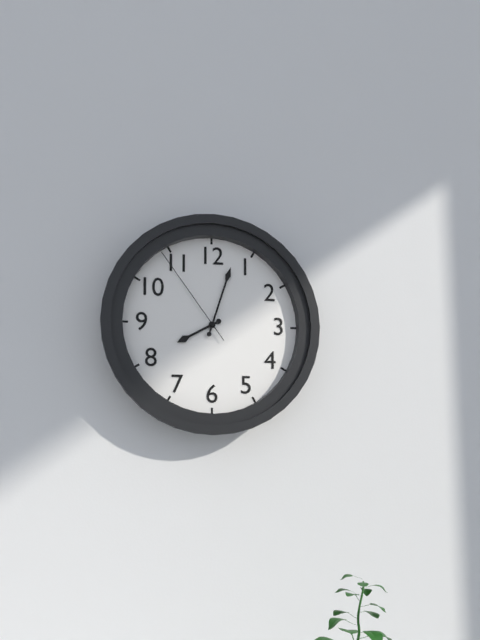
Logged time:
h=8 m=3 s=54
